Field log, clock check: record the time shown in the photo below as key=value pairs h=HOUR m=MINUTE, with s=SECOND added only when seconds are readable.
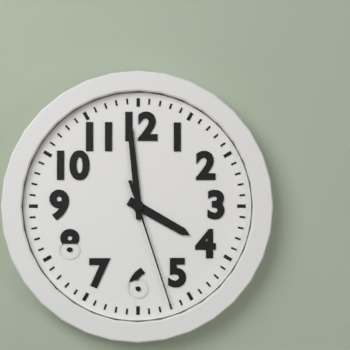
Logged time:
h=3 m=59 s=27
